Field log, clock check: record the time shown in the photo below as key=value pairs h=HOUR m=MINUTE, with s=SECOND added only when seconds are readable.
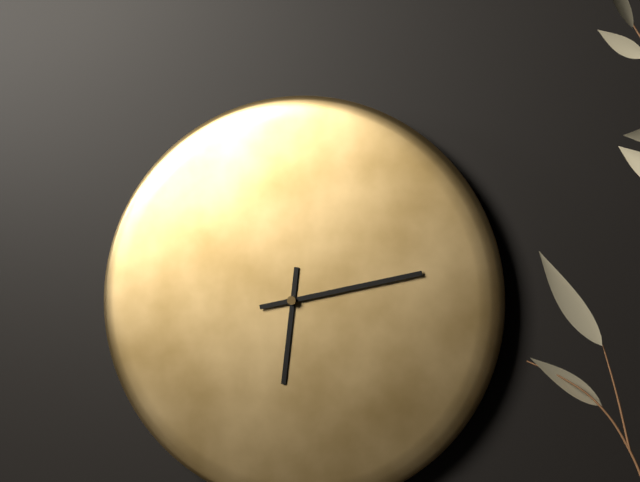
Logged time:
h=6 m=13
